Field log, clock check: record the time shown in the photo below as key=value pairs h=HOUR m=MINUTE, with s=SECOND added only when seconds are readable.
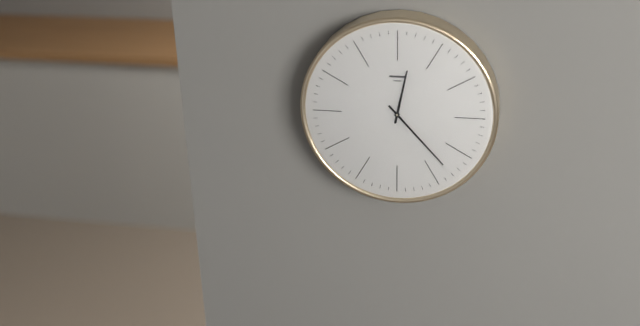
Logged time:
h=12 m=23
